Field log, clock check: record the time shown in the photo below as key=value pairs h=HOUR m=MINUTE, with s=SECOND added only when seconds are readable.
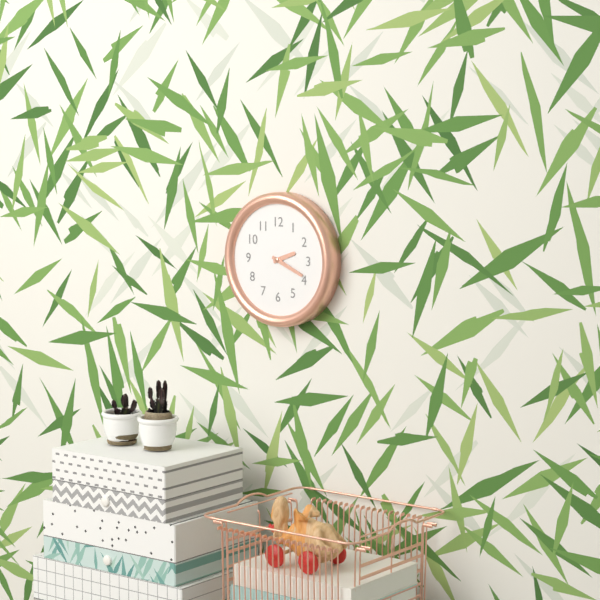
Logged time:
h=2 m=19
